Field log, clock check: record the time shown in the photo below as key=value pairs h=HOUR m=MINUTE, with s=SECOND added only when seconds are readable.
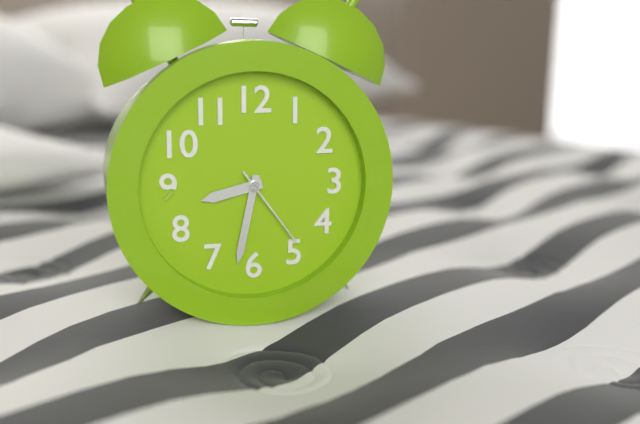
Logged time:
h=8 m=32 s=24
